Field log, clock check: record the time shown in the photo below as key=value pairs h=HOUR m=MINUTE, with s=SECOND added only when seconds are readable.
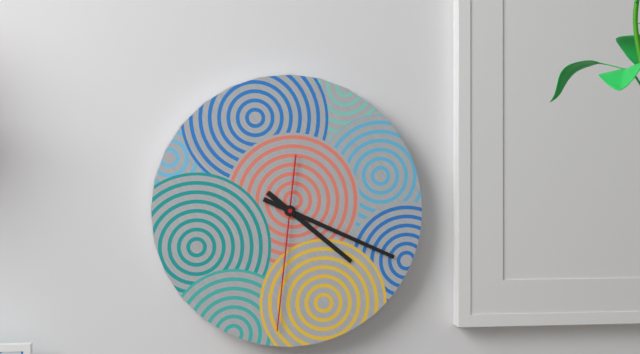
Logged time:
h=4 m=19 s=31
